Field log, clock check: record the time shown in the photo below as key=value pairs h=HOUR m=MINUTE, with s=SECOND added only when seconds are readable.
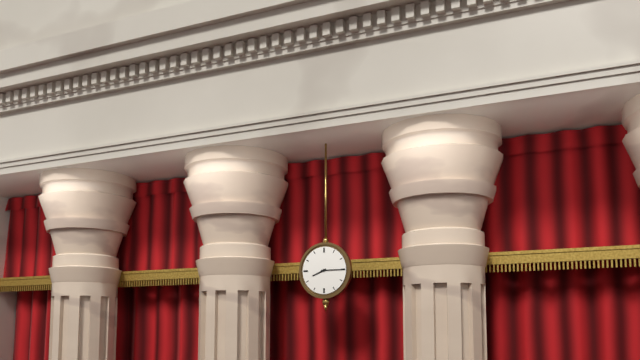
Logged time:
h=8 m=15
